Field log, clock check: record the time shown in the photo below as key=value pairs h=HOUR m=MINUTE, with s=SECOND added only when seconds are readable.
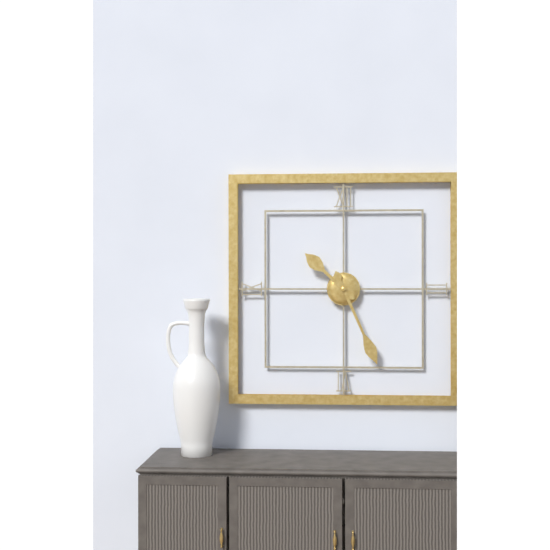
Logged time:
h=10 m=26
